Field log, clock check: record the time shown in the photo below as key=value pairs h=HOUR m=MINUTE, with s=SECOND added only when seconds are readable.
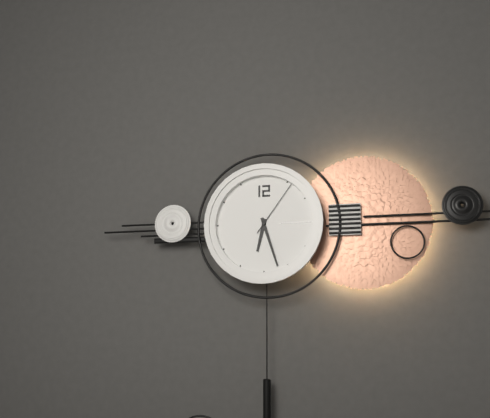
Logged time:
h=6 m=27 s=6
